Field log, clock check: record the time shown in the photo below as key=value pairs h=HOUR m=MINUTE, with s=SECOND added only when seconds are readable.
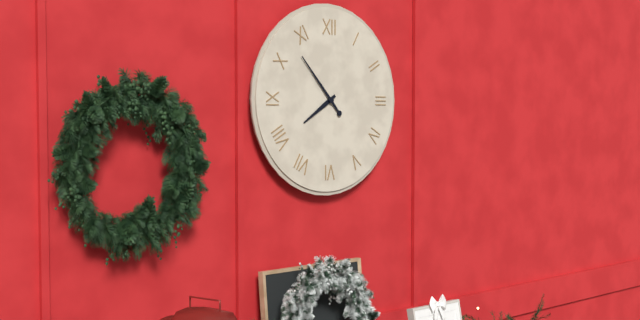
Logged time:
h=7 m=53
